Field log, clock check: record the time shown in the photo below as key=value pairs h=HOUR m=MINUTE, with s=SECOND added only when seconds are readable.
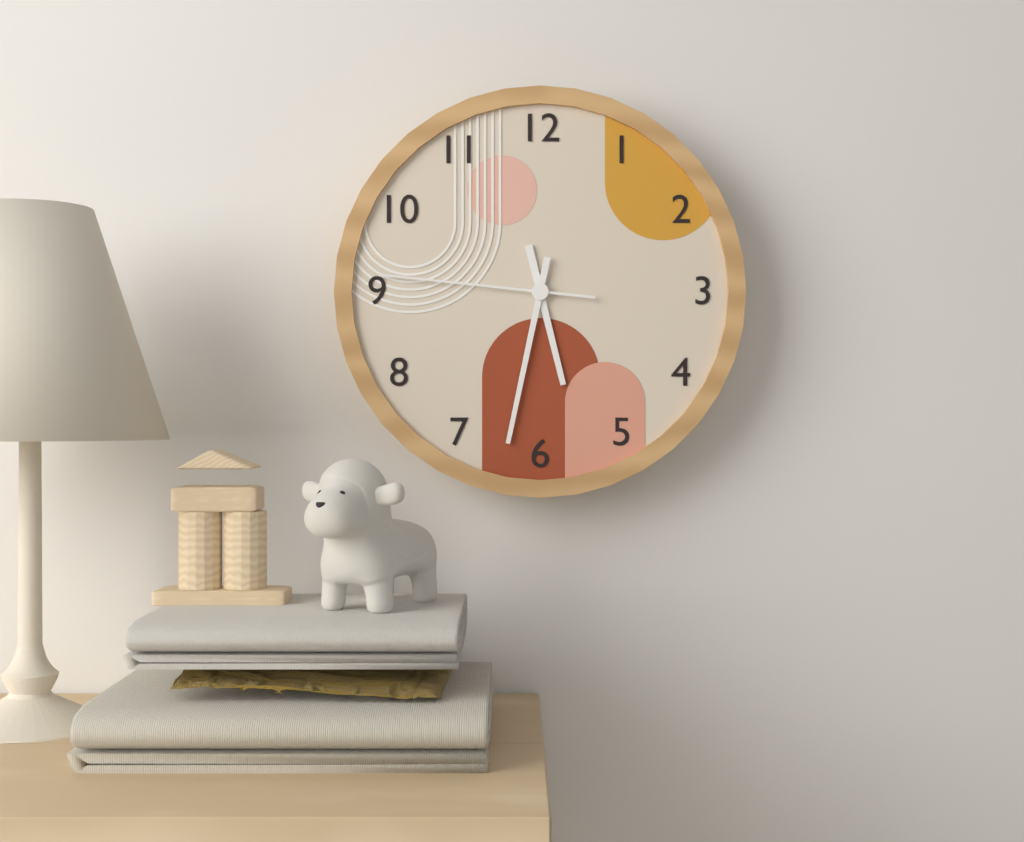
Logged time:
h=5 m=32 s=46
